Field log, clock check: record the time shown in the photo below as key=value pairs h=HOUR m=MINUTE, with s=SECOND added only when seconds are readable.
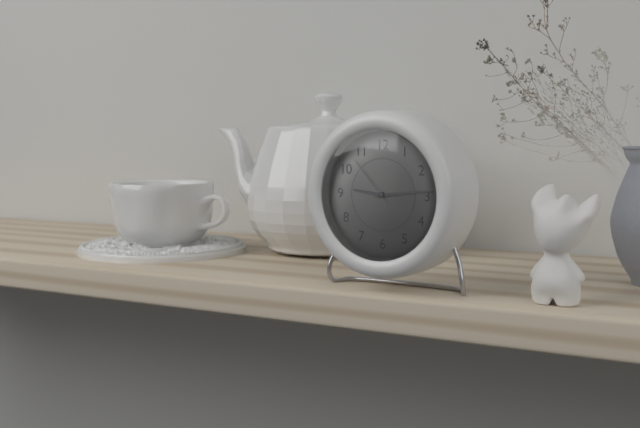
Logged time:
h=9 m=14 s=53
